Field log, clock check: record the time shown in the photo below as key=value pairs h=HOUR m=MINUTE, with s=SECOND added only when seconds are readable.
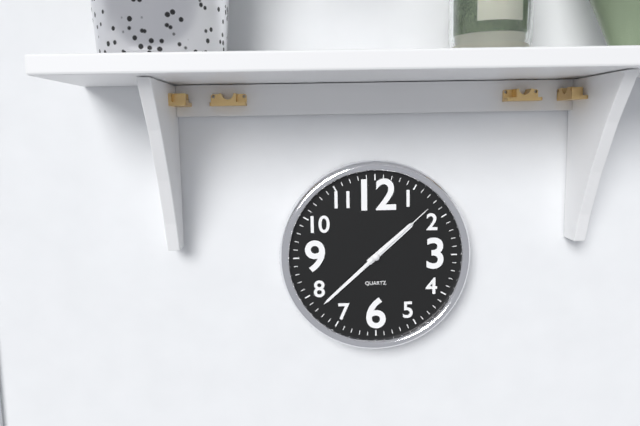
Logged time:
h=1 m=38 s=8
